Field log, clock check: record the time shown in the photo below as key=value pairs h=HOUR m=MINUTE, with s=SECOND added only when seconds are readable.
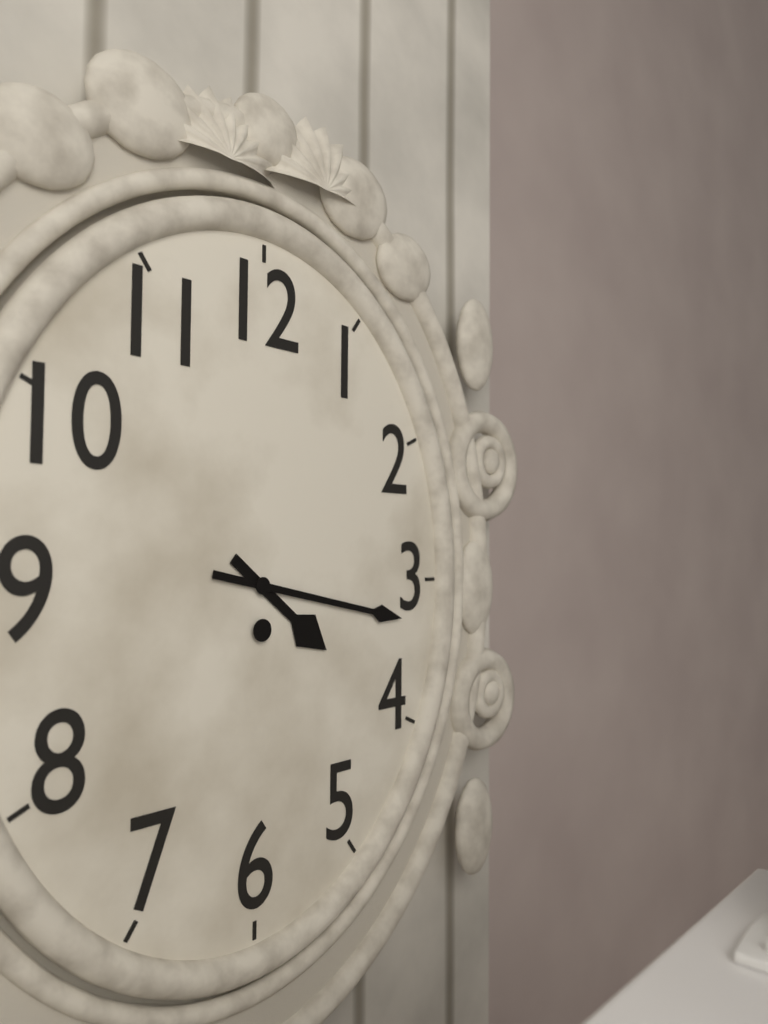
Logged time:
h=4 m=17
